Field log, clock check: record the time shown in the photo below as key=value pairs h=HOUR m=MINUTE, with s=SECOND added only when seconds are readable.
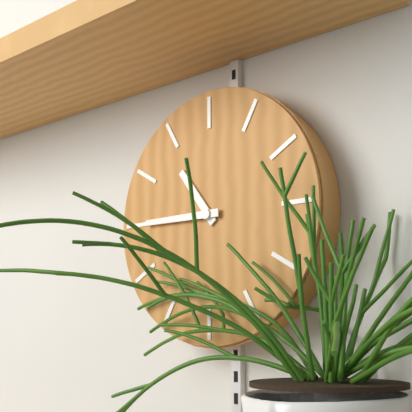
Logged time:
h=10 m=45
